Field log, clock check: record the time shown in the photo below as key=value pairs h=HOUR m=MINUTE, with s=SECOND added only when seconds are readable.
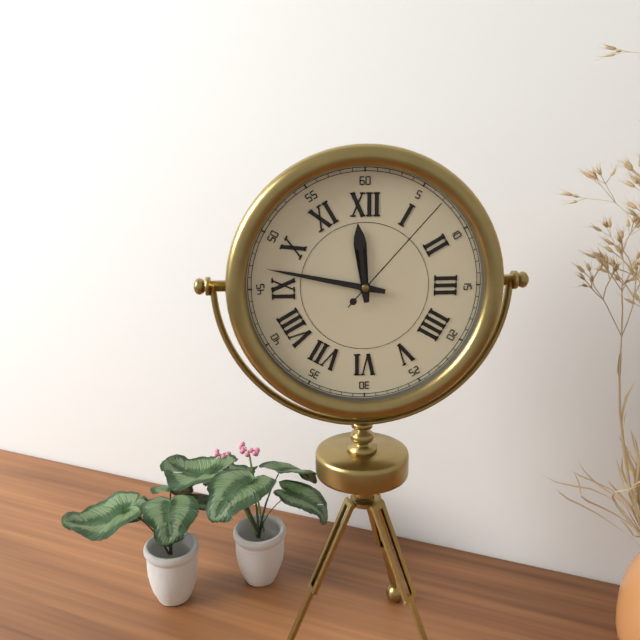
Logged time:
h=11 m=47 s=7
